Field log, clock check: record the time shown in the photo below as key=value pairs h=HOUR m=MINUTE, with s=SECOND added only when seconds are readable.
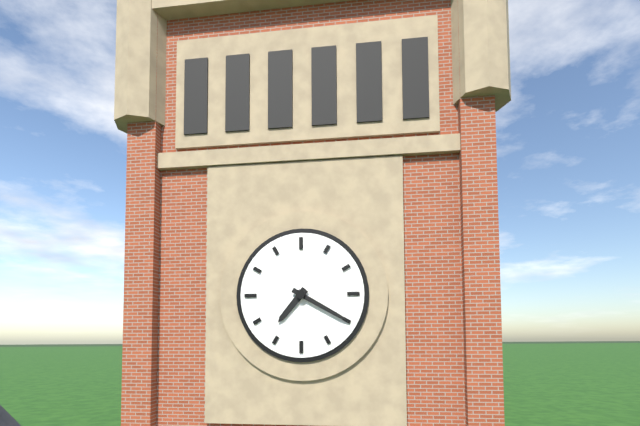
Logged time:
h=7 m=20
